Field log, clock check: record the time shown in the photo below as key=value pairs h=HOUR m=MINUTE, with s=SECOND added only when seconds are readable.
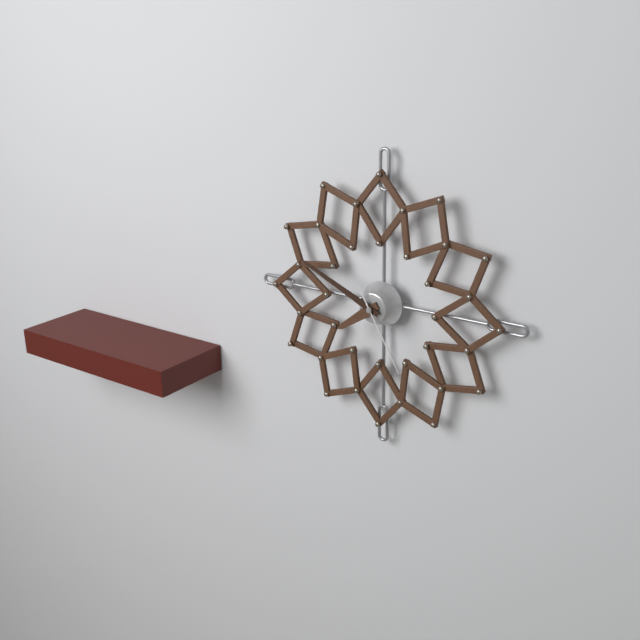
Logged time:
h=7 m=49 s=25
